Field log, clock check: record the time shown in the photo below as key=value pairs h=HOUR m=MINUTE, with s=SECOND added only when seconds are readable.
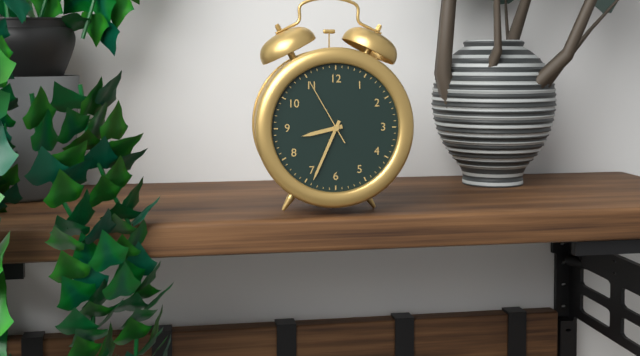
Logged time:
h=8 m=34 s=55
